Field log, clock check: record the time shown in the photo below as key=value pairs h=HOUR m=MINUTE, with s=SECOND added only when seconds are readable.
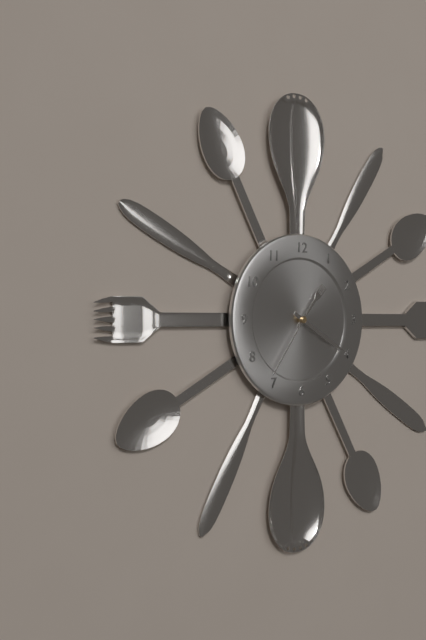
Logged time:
h=1 m=20 s=36
